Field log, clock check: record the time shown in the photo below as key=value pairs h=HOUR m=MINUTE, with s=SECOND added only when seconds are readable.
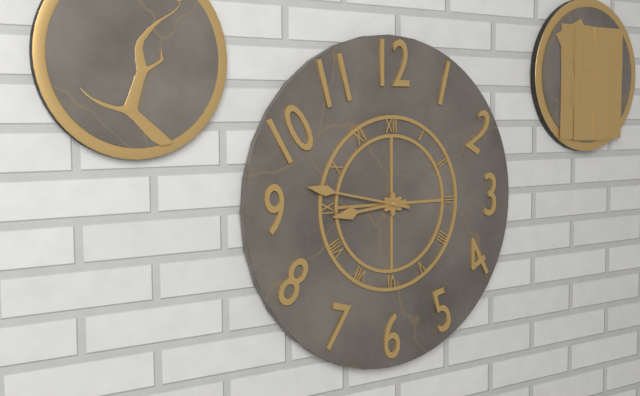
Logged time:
h=8 m=47
